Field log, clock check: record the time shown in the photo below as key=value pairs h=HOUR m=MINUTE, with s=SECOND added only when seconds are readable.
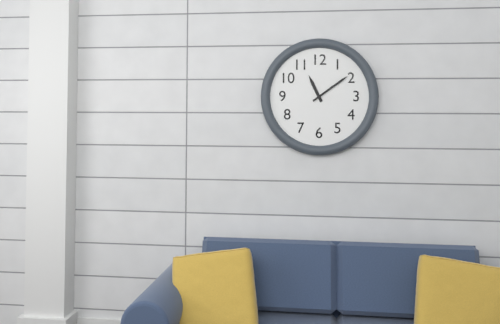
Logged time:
h=11 m=9
